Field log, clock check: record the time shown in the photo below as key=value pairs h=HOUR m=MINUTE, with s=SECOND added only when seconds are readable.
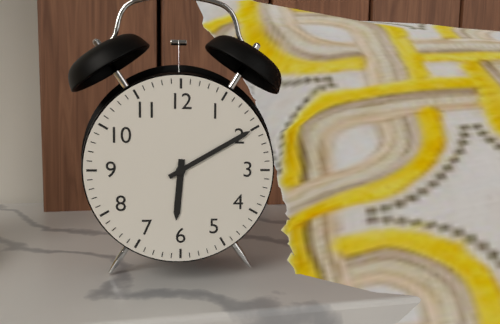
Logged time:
h=6 m=10
